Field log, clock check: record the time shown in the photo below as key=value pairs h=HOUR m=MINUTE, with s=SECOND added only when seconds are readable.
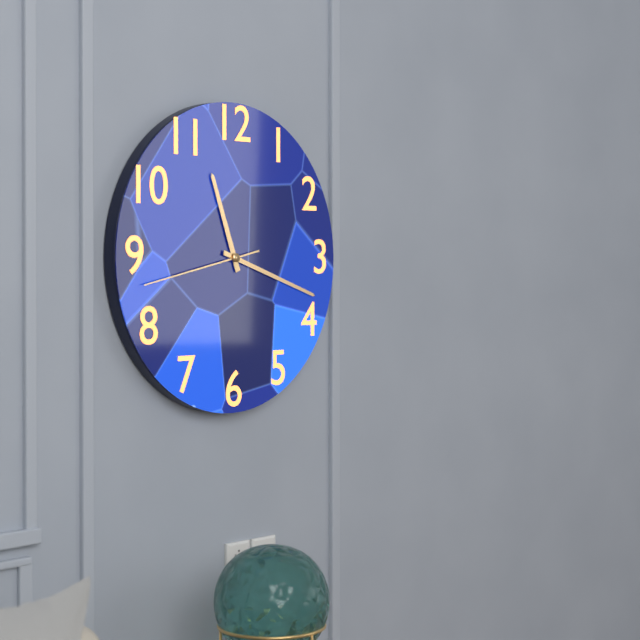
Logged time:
h=11 m=18 s=43
